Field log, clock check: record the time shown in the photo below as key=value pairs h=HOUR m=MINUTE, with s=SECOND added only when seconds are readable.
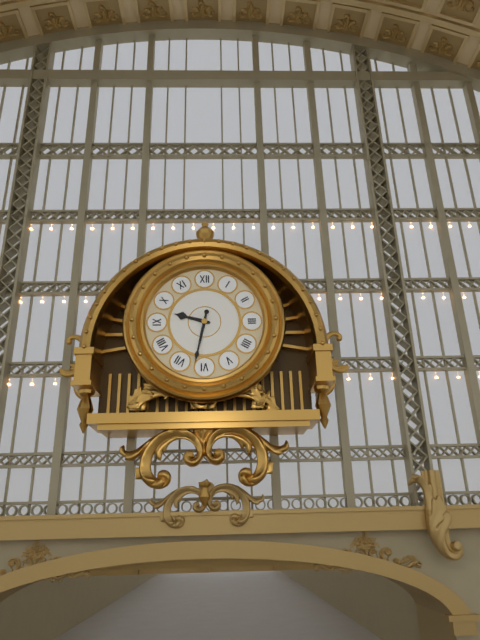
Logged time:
h=9 m=32
